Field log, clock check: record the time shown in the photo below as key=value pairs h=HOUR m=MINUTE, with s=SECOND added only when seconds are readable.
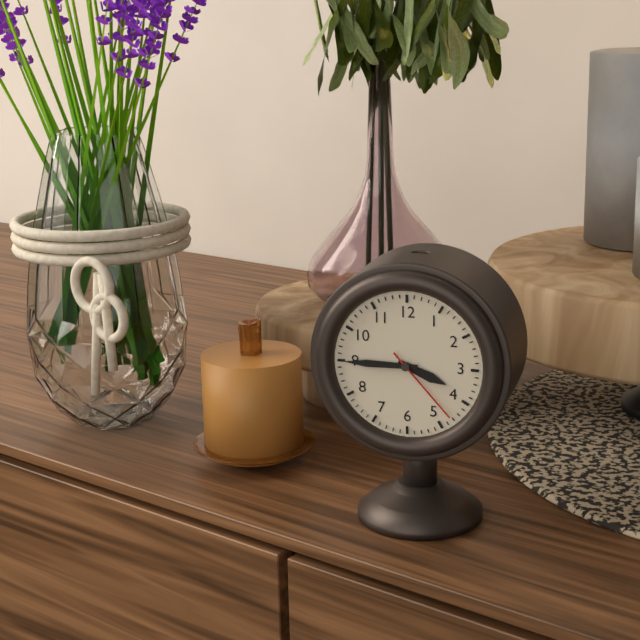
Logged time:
h=3 m=45 s=23
